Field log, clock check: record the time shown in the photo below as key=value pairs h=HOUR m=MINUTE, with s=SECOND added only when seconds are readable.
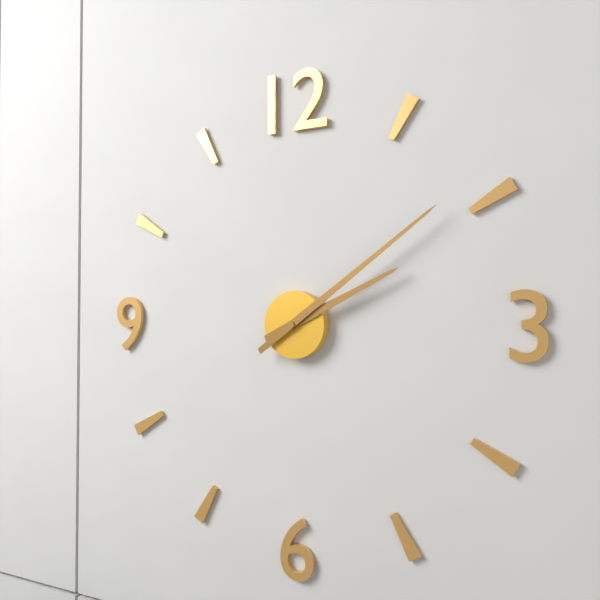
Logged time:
h=2 m=9
